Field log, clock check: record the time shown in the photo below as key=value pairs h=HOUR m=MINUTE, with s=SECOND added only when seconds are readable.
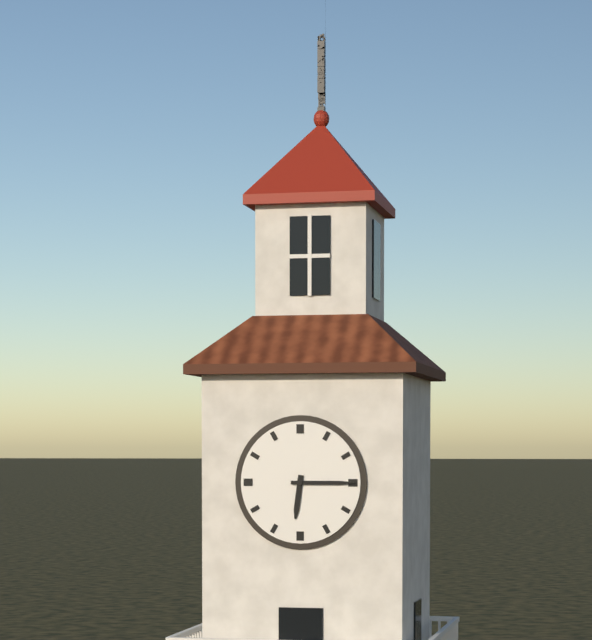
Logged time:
h=6 m=15
